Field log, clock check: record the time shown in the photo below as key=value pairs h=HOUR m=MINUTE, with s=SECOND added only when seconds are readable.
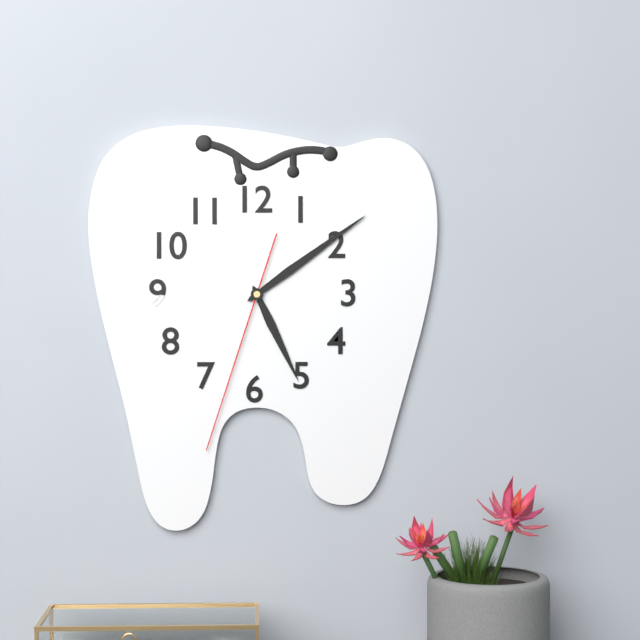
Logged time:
h=5 m=9 s=33
